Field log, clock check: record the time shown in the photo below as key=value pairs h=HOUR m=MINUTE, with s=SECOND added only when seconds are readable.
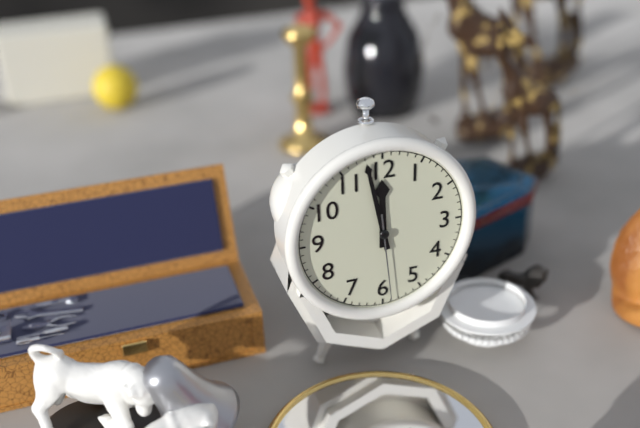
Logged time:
h=11 m=58 s=29
